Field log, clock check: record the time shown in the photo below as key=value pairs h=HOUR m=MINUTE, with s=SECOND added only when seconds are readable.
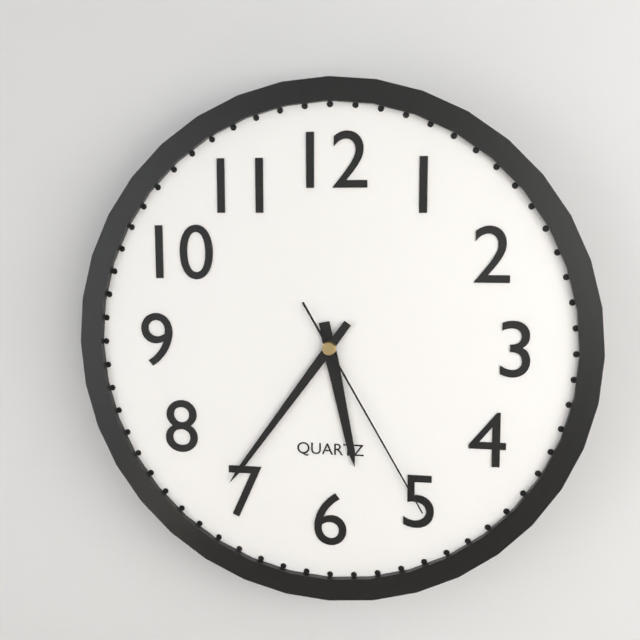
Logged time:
h=5 m=36 s=25
